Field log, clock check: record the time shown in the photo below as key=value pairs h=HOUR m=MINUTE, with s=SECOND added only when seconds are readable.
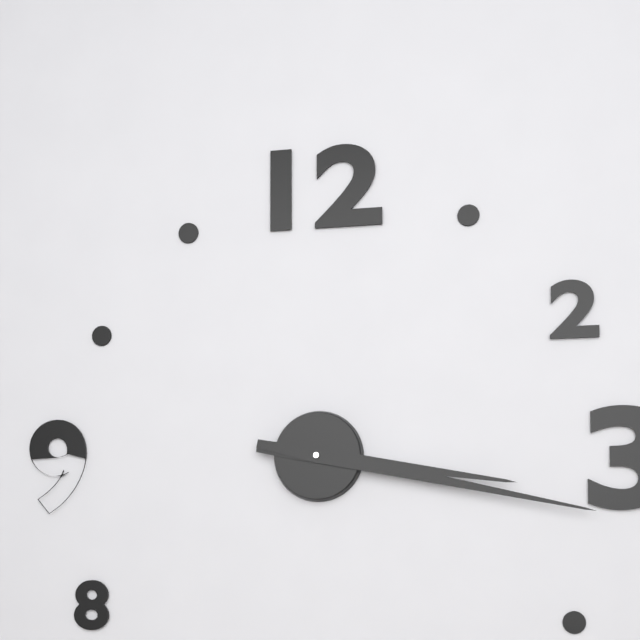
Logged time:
h=3 m=17
